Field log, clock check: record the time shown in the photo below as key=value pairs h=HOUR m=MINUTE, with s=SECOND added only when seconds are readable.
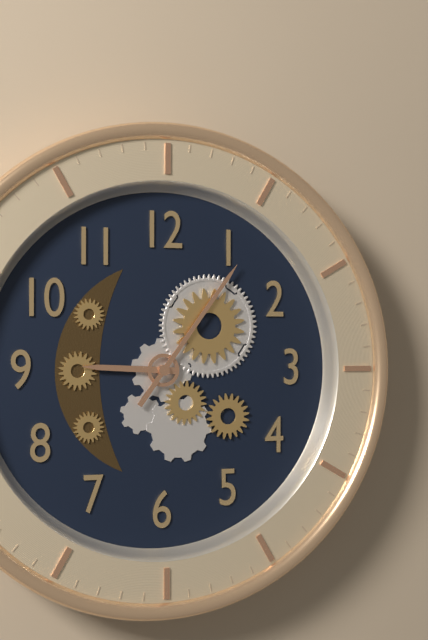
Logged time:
h=9 m=6
